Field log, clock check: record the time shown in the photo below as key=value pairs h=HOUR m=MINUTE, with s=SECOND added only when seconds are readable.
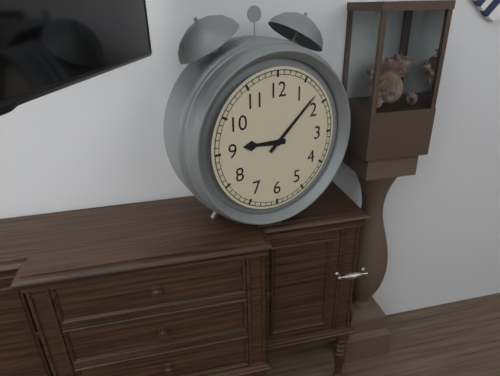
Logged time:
h=9 m=8
